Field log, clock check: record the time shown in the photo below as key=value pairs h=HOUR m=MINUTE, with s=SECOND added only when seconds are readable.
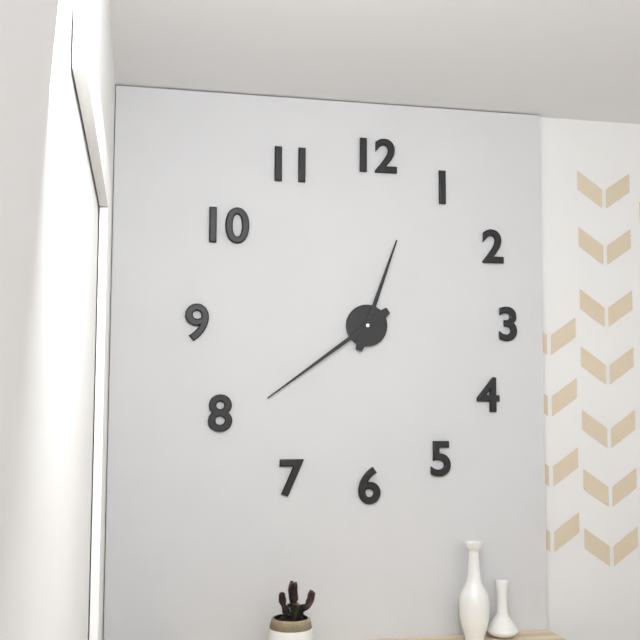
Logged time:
h=12 m=39
